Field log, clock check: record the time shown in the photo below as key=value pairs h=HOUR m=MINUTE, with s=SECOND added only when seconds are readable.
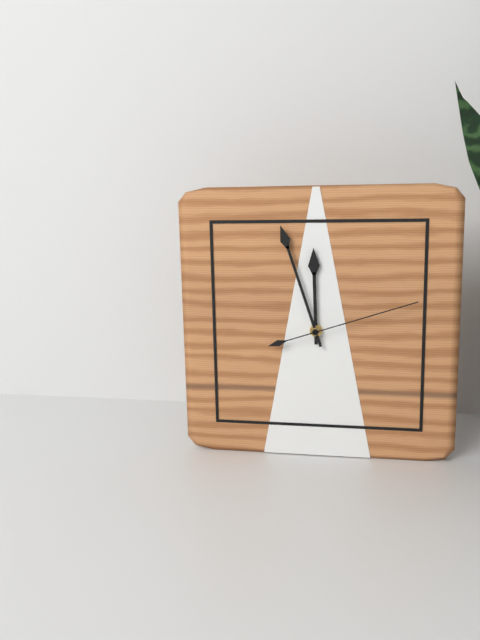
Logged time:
h=11 m=57 s=12
